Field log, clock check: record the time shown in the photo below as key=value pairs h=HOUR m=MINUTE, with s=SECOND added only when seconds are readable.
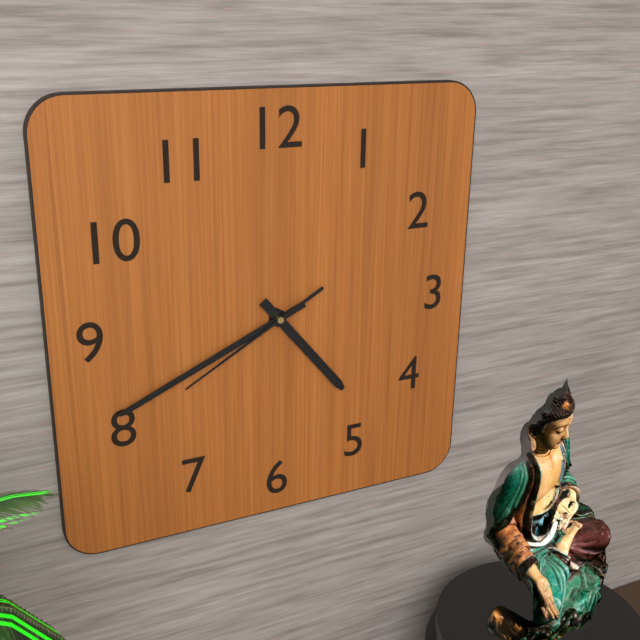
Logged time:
h=4 m=41 s=40
